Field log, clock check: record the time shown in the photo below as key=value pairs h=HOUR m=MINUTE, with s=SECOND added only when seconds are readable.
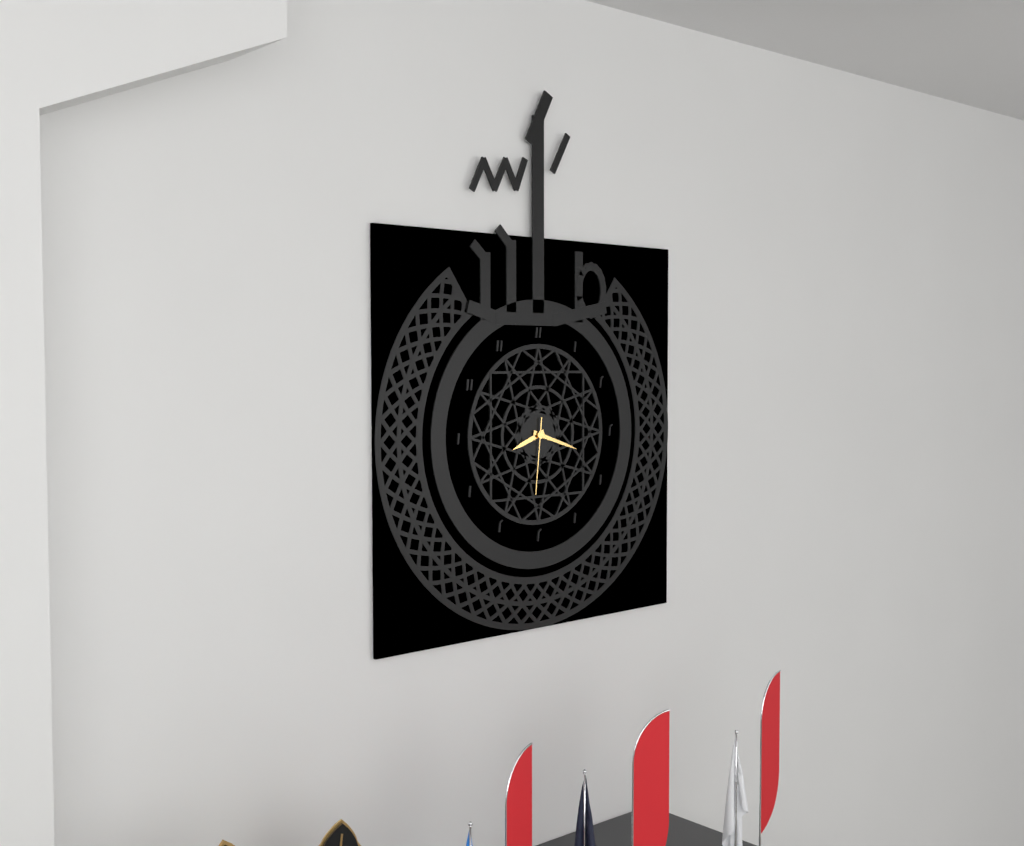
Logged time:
h=8 m=18 s=31
